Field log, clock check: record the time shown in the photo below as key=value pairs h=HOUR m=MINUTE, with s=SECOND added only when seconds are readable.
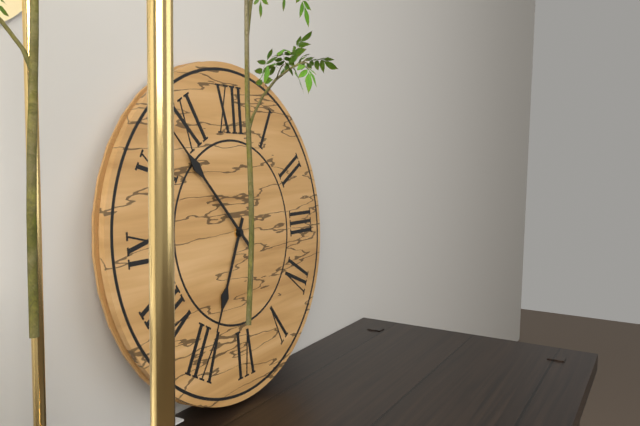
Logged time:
h=6 m=53
